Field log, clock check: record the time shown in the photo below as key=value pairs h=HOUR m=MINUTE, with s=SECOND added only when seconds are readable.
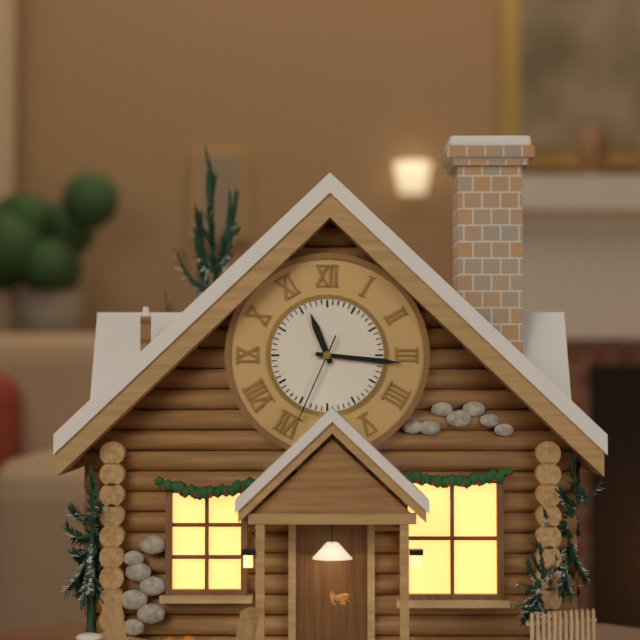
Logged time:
h=11 m=16 s=34
